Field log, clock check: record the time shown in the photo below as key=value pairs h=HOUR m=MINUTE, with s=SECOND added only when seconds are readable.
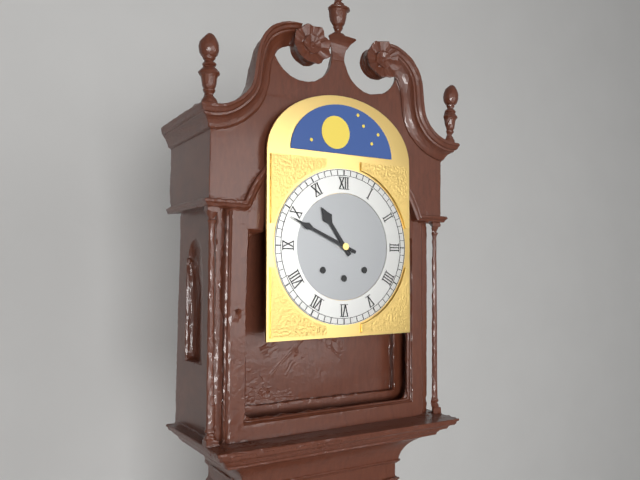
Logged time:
h=10 m=49
